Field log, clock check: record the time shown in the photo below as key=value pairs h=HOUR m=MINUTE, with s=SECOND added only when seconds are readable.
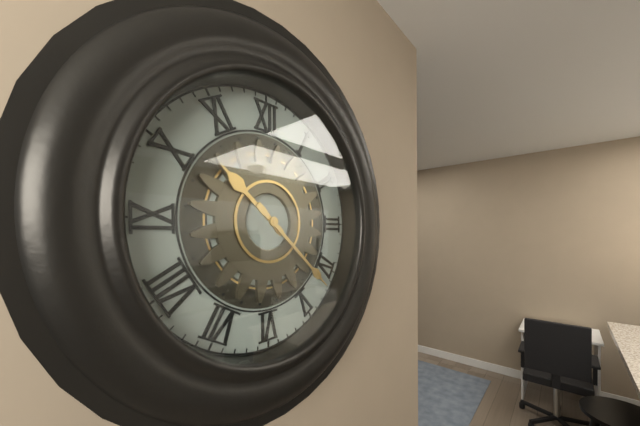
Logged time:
h=10 m=22
